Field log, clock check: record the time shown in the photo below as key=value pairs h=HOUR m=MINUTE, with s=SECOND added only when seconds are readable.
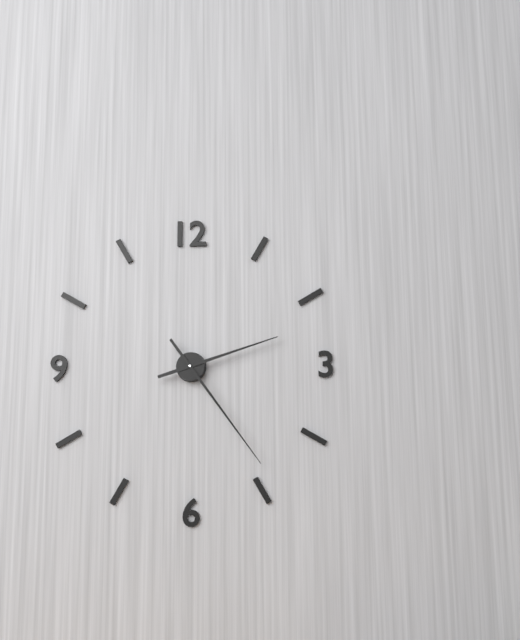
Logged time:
h=2 m=24
